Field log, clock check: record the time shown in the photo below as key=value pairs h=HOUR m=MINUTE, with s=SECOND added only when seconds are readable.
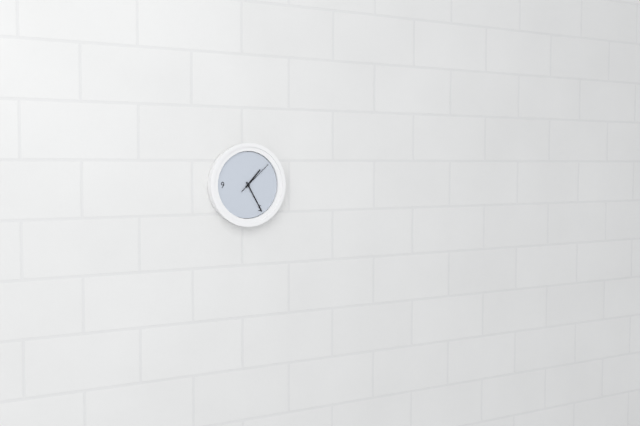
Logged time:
h=1 m=25
